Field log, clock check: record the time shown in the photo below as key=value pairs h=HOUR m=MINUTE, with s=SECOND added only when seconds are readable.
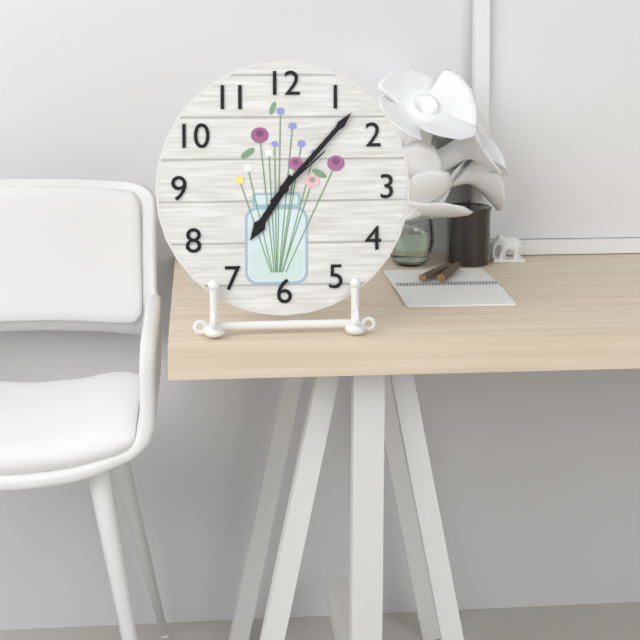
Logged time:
h=7 m=7 s=8
